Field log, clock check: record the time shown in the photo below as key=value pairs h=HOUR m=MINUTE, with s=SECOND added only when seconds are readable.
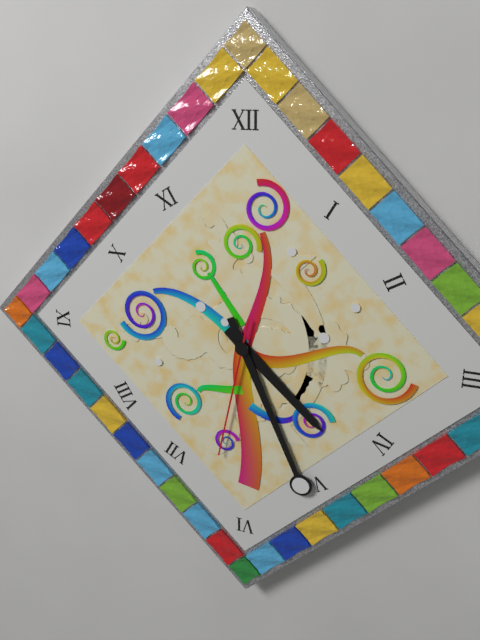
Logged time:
h=4 m=26 s=32
